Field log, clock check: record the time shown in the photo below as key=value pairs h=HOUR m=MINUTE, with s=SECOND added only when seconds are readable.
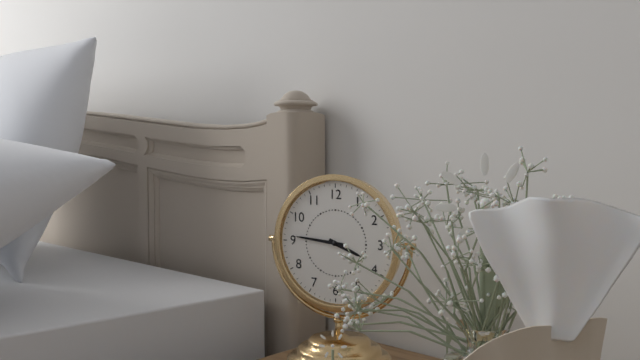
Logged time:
h=3 m=46
